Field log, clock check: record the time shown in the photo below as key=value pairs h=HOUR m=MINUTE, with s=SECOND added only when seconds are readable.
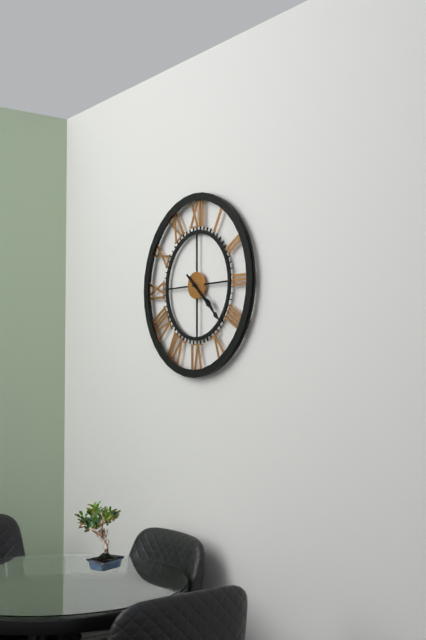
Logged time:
h=4 m=22
